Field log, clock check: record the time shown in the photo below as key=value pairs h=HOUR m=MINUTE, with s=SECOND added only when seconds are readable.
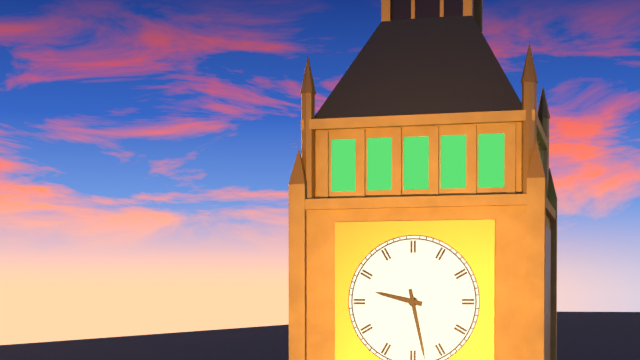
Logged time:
h=9 m=28
